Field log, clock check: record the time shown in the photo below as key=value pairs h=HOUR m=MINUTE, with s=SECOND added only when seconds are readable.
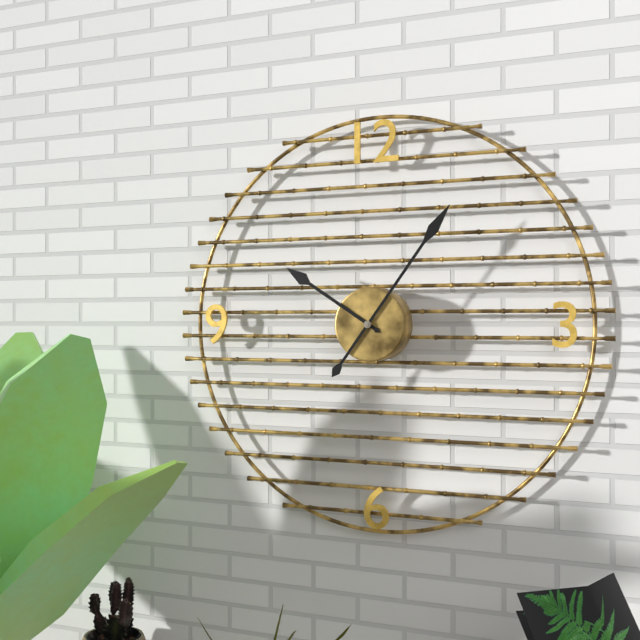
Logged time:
h=10 m=6
